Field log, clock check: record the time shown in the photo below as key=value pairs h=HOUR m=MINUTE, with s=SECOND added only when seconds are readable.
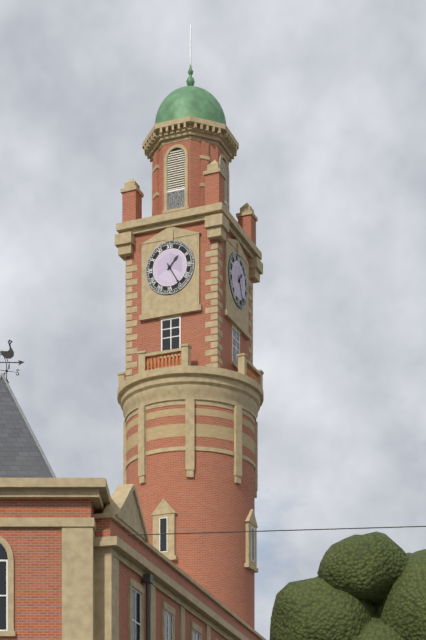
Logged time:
h=1 m=25
